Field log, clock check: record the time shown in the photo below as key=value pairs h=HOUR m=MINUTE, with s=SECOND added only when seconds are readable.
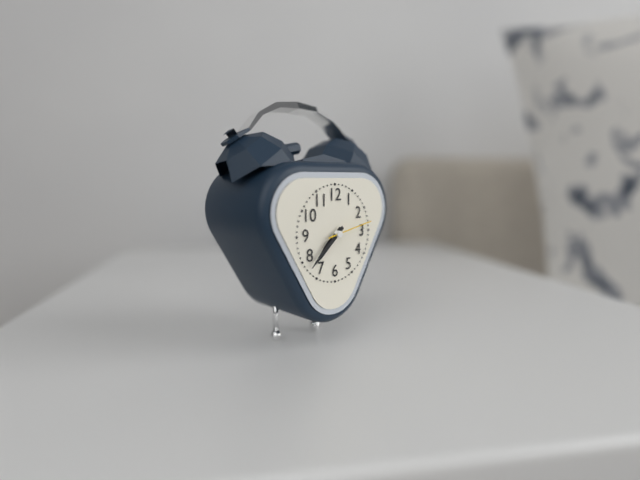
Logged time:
h=7 m=38
